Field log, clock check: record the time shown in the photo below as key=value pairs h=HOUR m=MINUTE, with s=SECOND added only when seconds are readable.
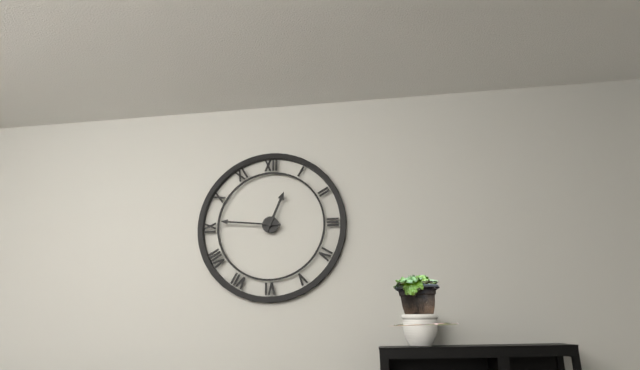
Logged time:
h=12 m=46
